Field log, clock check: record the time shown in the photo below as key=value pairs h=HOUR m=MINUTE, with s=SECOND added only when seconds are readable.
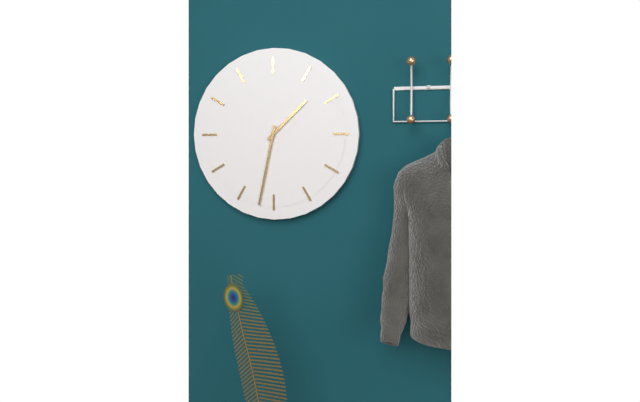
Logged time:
h=1 m=32
